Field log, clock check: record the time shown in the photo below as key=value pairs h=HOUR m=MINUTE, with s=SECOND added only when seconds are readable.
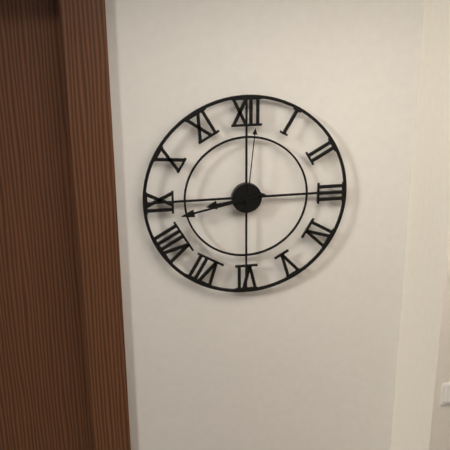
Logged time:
h=8 m=43 s=1
